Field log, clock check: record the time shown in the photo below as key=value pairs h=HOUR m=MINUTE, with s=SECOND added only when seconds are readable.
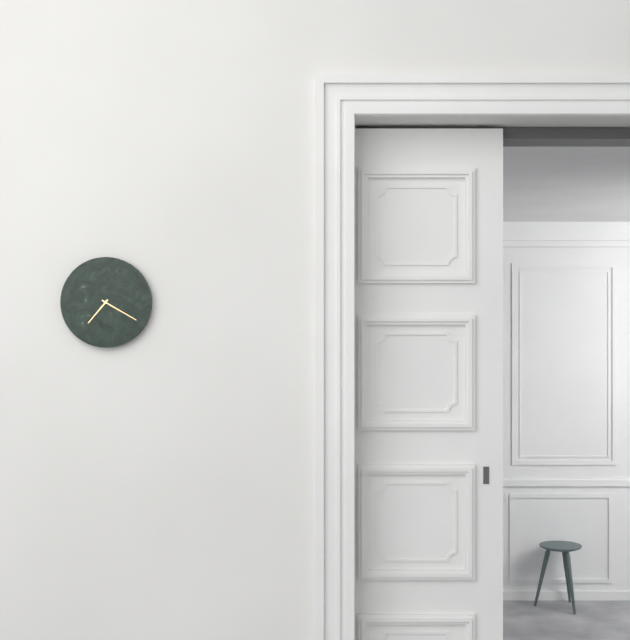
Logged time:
h=7 m=20
